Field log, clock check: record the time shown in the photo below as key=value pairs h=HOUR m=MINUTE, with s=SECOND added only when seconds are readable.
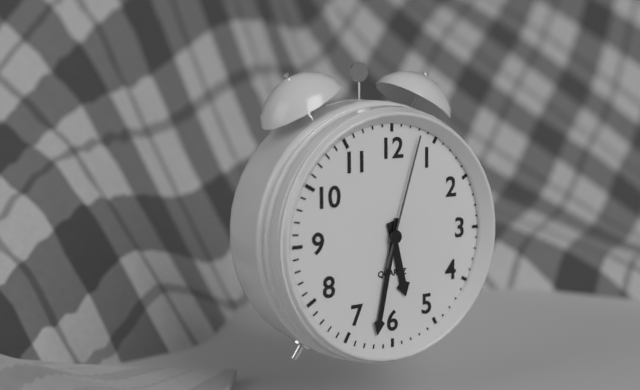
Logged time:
h=5 m=32 s=3
